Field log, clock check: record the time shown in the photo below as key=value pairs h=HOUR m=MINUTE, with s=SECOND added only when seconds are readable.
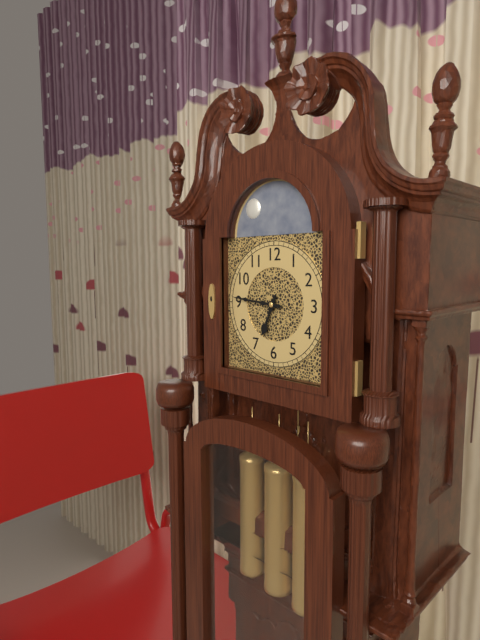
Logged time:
h=6 m=46
